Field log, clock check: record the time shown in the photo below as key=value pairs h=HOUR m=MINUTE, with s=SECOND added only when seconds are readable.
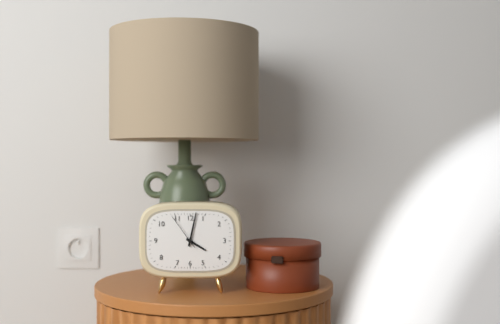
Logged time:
h=4 m=2
